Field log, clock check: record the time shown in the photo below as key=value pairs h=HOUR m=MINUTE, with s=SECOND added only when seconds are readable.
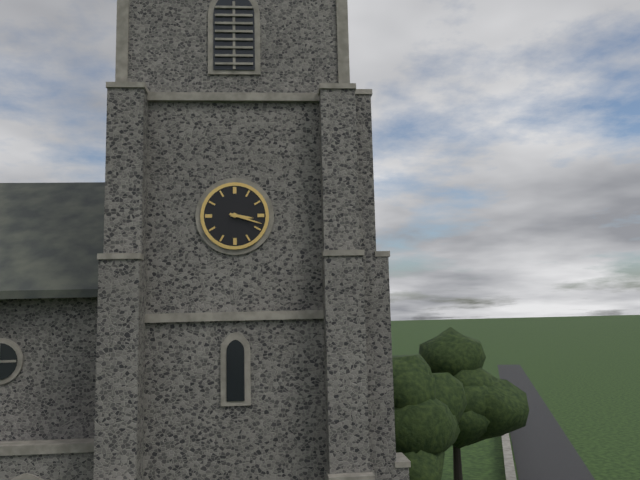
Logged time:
h=3 m=18
